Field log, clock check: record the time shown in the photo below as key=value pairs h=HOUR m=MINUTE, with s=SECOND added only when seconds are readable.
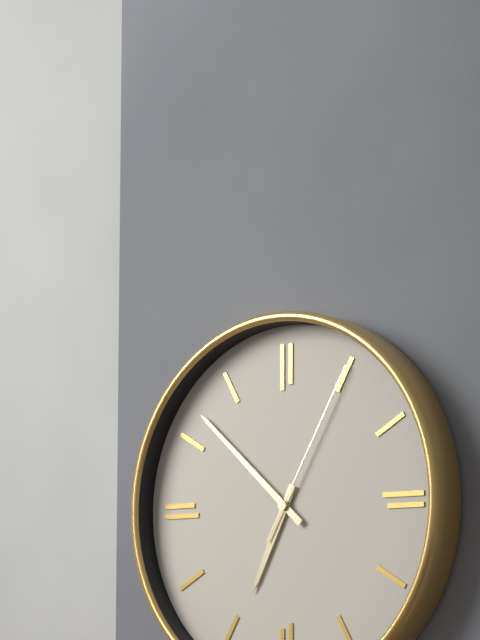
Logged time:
h=6 m=52 s=5
